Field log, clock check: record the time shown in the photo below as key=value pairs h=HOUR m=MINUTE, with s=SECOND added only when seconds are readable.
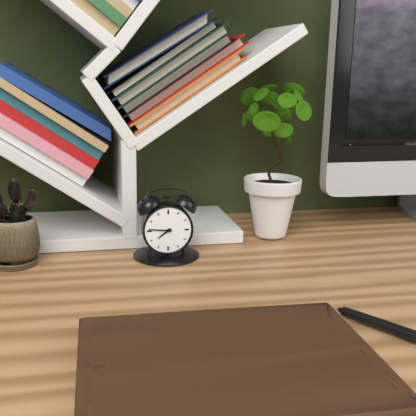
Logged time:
h=7 m=46
